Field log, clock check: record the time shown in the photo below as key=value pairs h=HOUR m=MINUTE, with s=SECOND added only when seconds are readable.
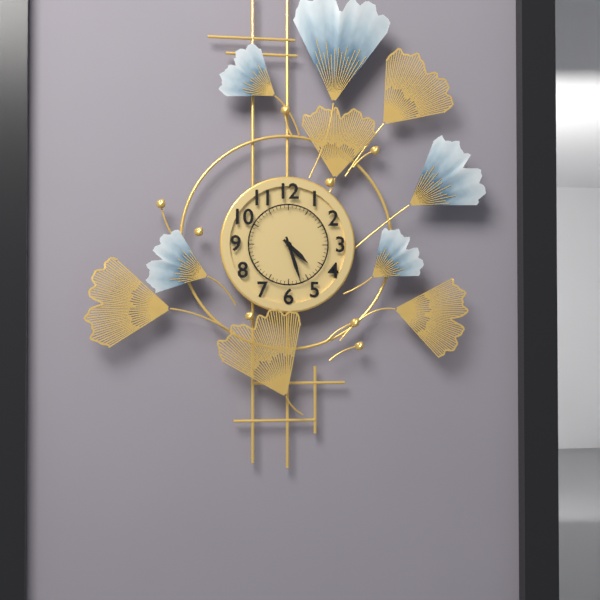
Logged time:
h=4 m=27
